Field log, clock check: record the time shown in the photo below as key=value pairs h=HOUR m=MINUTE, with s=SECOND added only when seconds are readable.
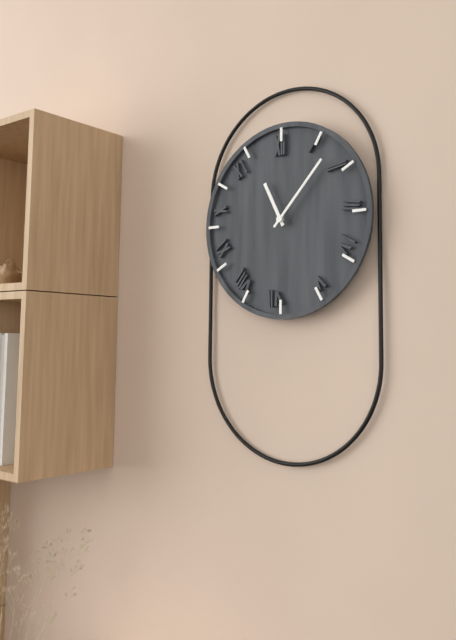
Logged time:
h=11 m=7
